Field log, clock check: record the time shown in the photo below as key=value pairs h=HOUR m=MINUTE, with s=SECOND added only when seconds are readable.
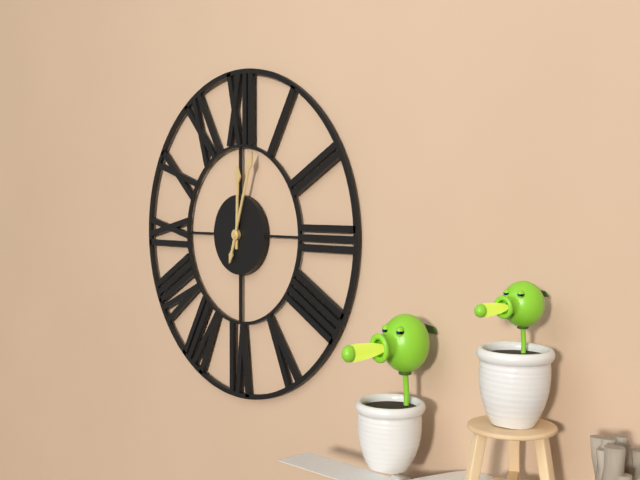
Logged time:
h=12 m=3
